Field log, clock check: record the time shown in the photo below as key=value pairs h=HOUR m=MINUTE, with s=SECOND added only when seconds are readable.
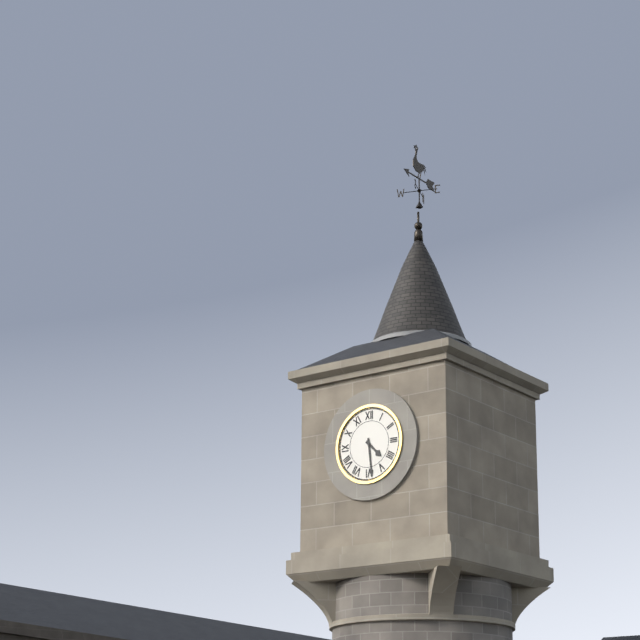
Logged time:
h=4 m=29
